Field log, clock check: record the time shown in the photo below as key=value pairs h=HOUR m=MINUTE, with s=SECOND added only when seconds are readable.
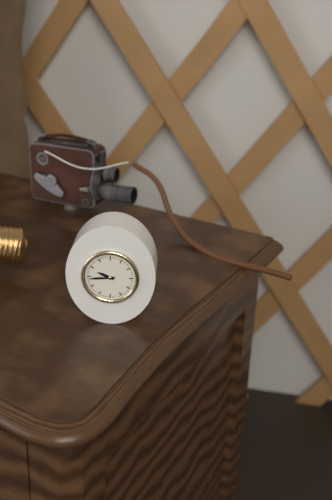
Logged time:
h=9 m=44
